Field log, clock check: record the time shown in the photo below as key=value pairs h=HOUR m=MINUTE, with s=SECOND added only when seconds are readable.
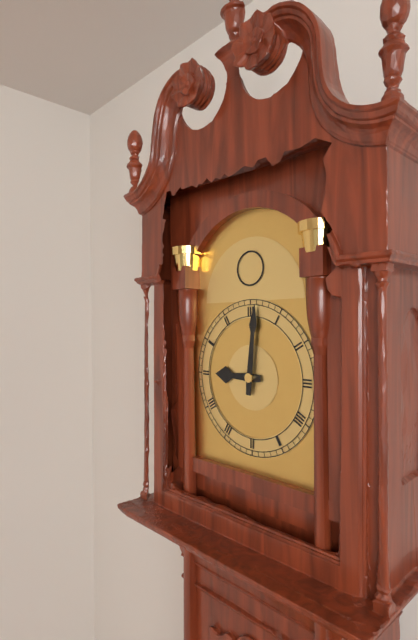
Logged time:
h=9 m=1
